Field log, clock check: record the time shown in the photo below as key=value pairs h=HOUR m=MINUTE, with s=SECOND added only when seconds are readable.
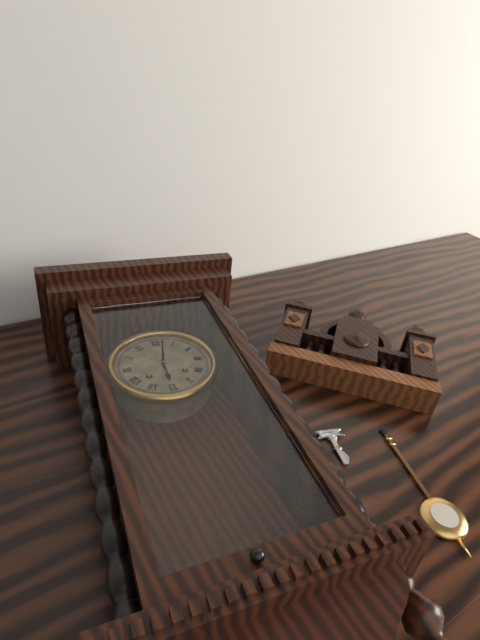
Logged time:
h=6 m=2
